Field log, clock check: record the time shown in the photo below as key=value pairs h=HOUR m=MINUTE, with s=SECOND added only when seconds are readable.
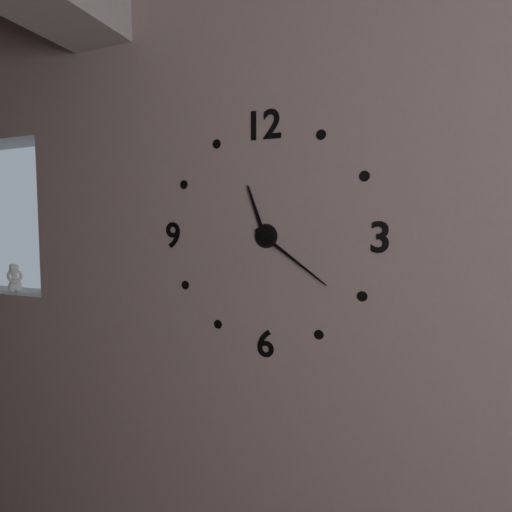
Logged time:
h=11 m=21
